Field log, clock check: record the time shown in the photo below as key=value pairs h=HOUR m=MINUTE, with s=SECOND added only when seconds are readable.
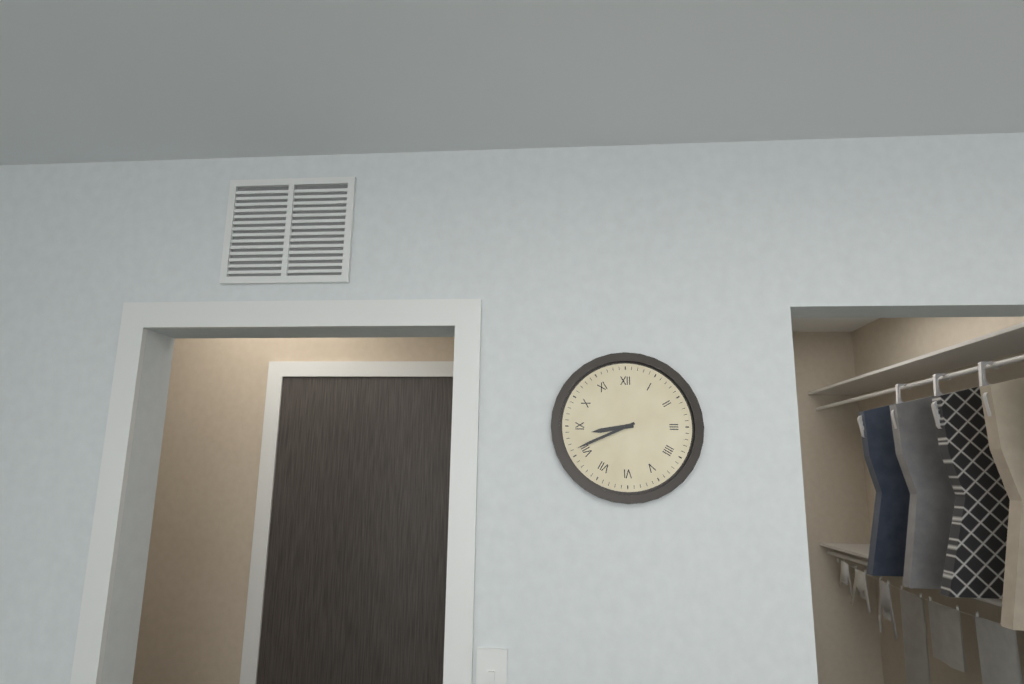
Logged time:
h=8 m=41
